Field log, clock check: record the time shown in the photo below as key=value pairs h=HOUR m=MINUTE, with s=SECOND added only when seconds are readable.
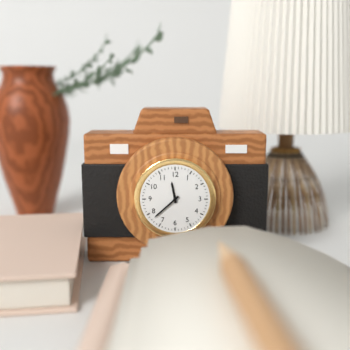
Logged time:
h=11 m=38
